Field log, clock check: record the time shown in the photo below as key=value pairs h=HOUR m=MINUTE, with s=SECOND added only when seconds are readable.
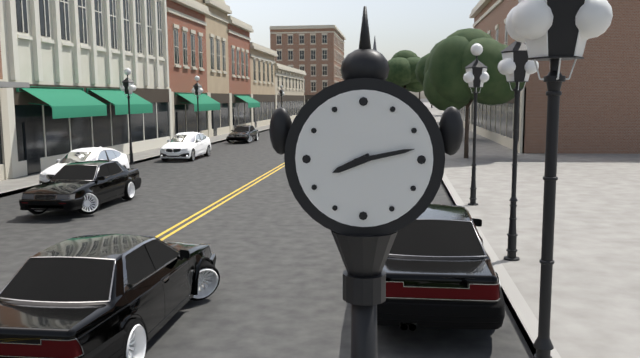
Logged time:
h=8 m=13
